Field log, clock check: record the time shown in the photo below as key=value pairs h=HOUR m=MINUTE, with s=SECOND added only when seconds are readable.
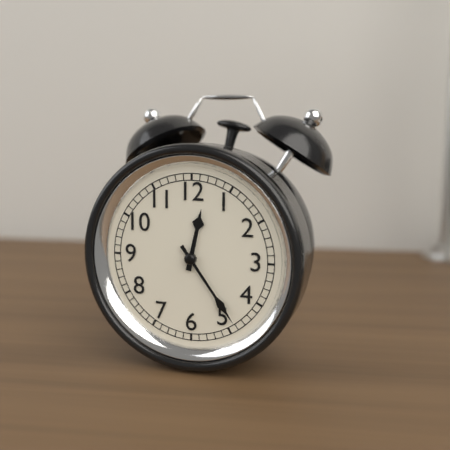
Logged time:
h=12 m=24
